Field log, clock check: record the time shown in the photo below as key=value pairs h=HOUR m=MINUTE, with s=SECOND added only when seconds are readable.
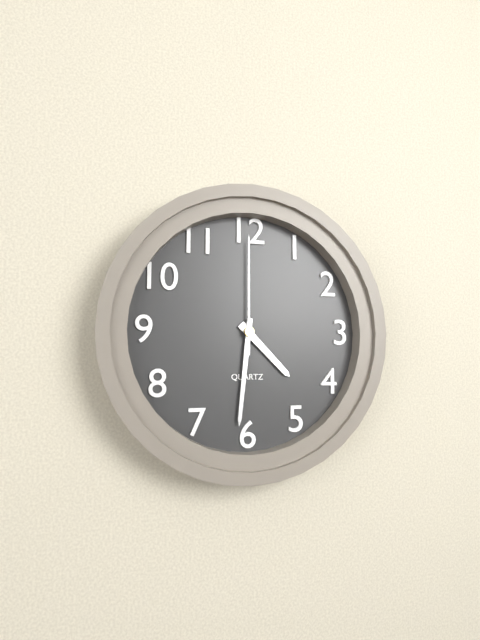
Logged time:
h=4 m=31 s=0
